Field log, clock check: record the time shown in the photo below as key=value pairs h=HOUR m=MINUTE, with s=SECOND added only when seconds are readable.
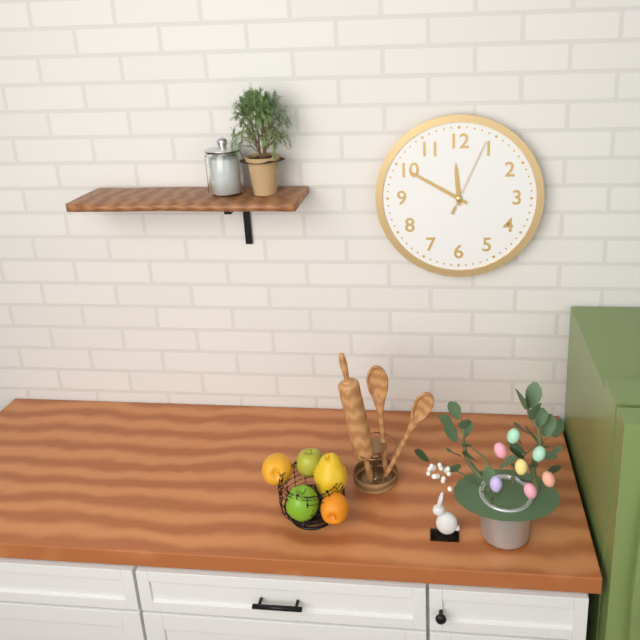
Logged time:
h=11 m=50 s=4
